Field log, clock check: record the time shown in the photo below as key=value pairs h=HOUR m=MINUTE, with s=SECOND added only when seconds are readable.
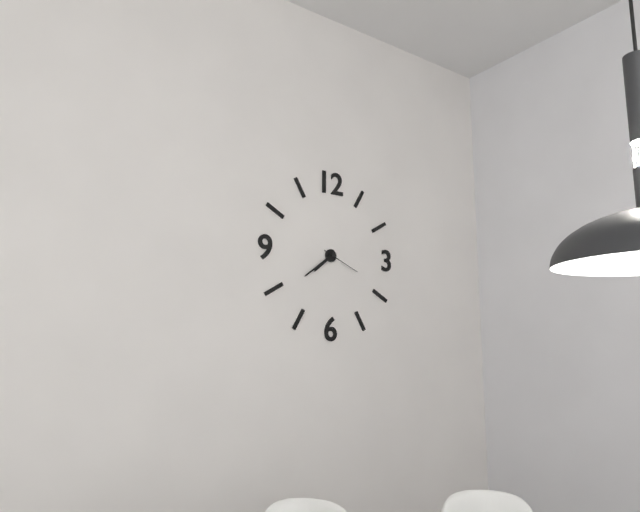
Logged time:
h=7 m=39
